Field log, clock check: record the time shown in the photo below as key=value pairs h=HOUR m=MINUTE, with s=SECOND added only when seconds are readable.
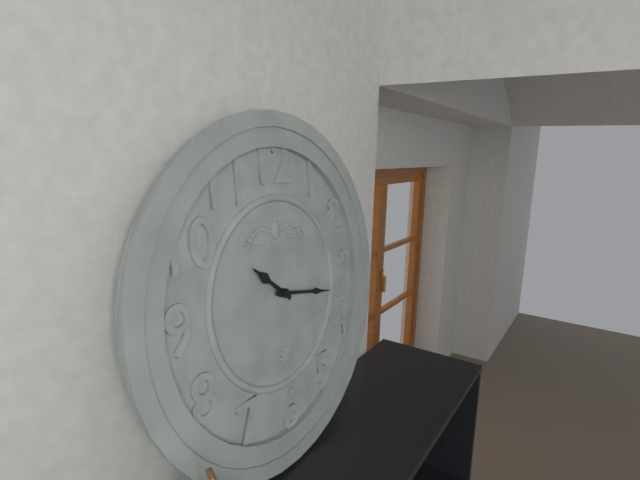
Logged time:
h=10 m=17
